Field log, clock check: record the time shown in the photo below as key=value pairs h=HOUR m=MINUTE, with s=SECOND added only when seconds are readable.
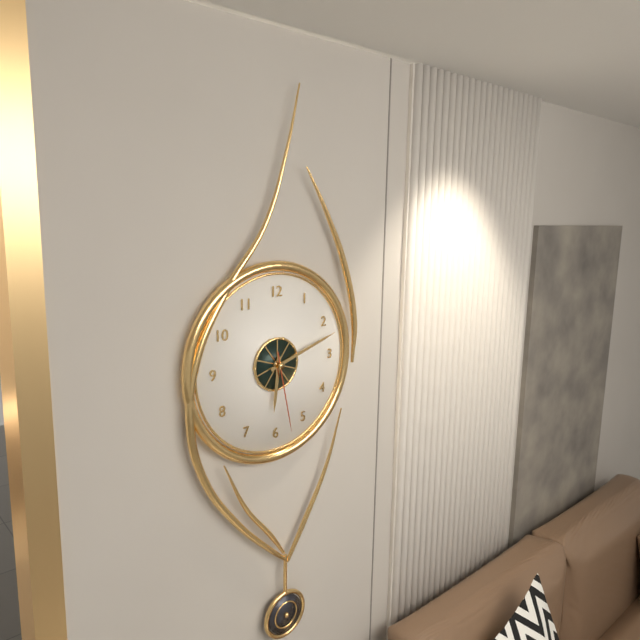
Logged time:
h=6 m=12 s=28
